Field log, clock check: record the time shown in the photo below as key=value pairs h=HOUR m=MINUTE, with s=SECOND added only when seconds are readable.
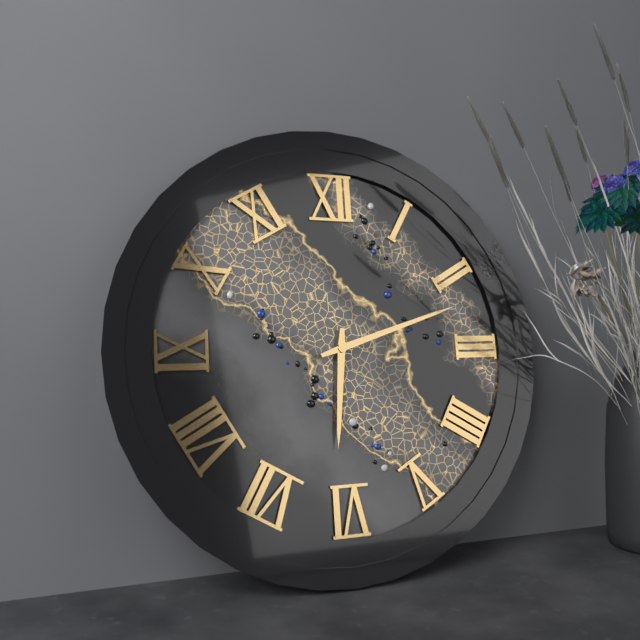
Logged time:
h=6 m=12
